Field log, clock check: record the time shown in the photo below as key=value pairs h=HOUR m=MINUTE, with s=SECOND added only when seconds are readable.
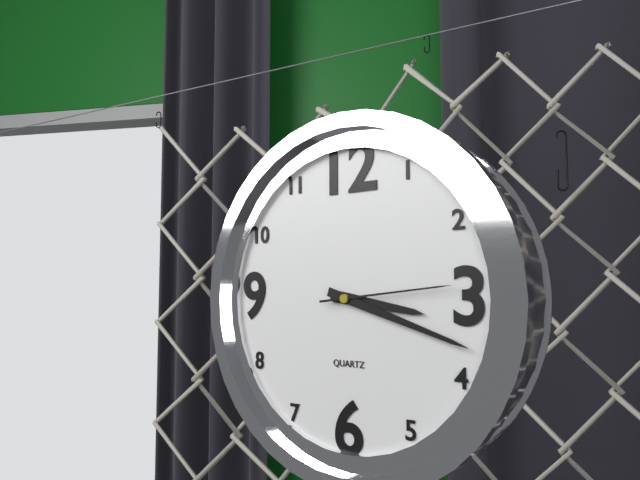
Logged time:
h=3 m=18 s=14
